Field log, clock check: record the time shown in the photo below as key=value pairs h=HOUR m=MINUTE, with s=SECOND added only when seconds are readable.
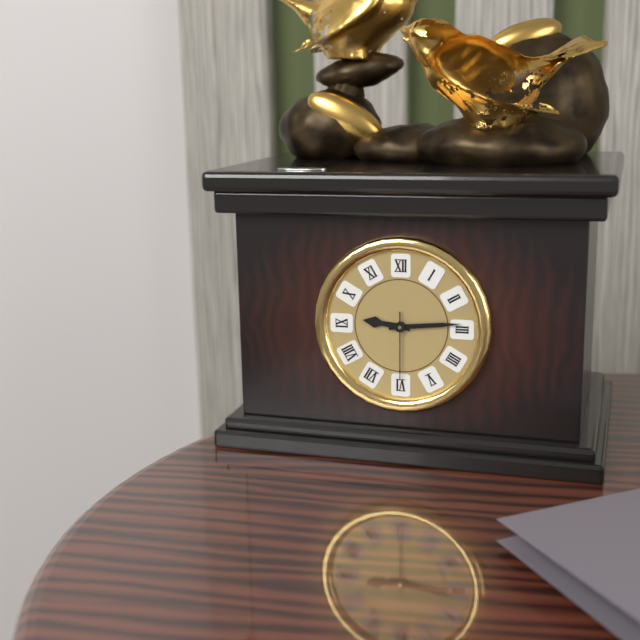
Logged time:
h=9 m=14 s=30
